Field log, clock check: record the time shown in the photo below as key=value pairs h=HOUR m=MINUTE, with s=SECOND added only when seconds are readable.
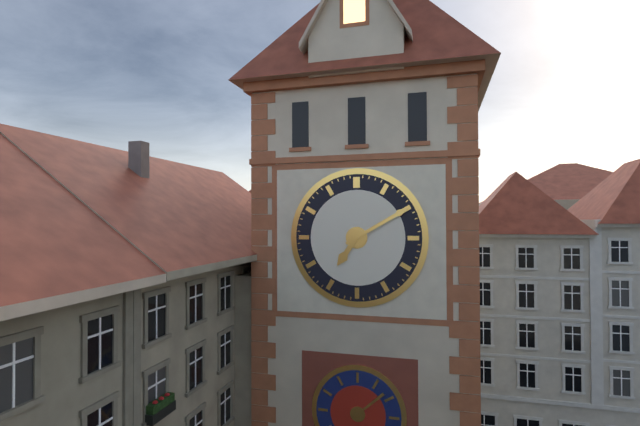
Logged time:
h=7 m=10
